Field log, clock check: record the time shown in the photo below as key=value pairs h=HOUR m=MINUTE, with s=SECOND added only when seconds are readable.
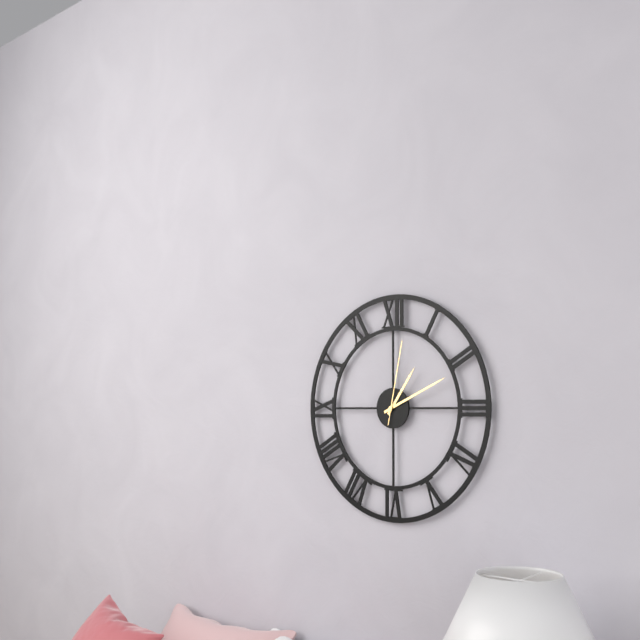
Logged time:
h=1 m=11 s=2
